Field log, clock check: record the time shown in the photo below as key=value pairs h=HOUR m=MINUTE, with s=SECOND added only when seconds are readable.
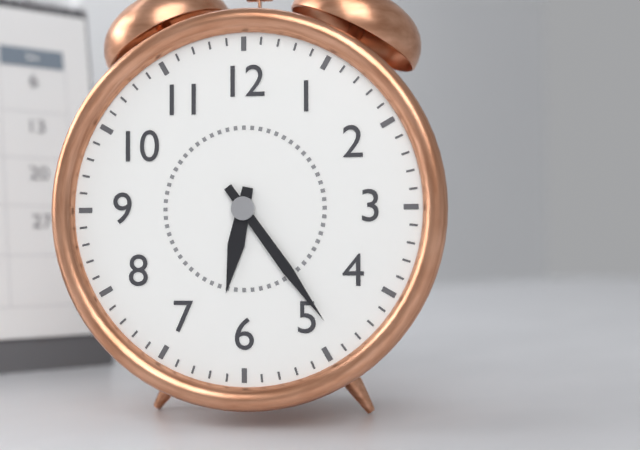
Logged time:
h=6 m=24
